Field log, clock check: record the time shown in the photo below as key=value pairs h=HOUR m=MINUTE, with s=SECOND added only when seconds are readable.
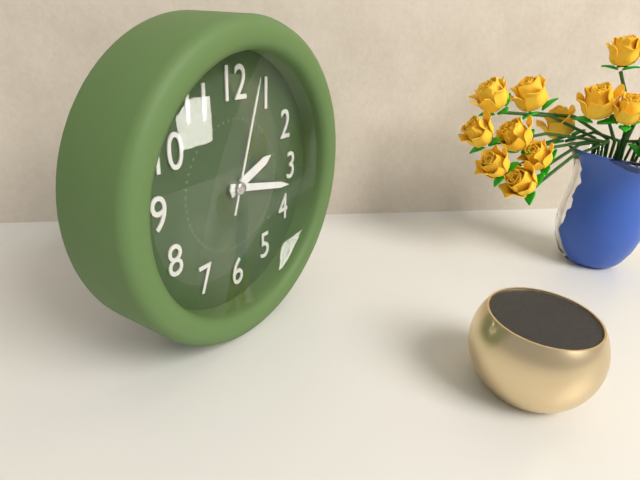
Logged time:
h=2 m=17 s=3
